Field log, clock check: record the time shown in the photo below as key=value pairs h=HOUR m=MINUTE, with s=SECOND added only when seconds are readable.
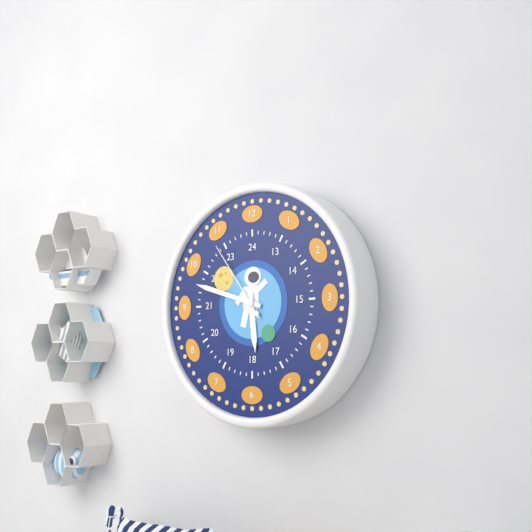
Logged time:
h=5 m=48 s=54
